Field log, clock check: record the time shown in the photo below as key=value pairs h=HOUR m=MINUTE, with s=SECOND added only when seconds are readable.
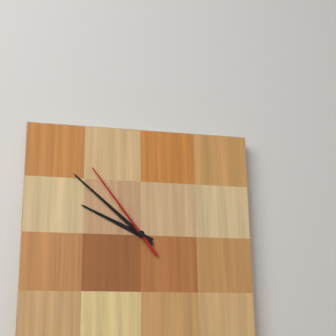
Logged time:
h=9 m=52 s=54
